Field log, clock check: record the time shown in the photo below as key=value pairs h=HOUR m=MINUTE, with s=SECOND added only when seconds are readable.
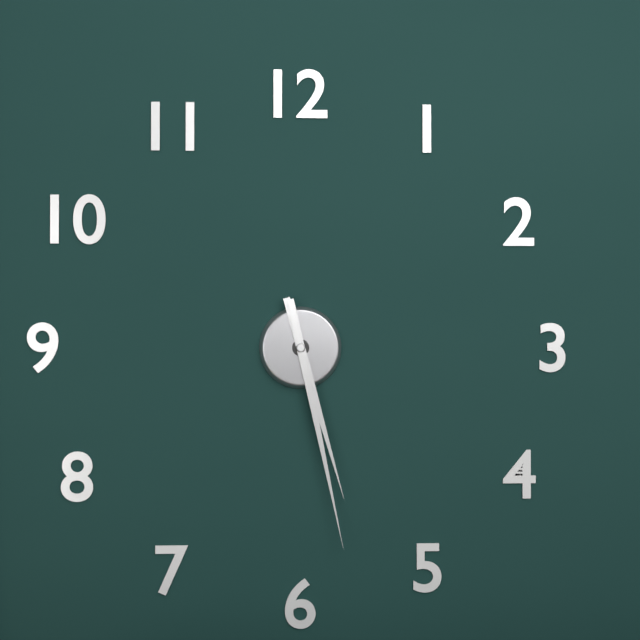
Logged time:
h=5 m=28
